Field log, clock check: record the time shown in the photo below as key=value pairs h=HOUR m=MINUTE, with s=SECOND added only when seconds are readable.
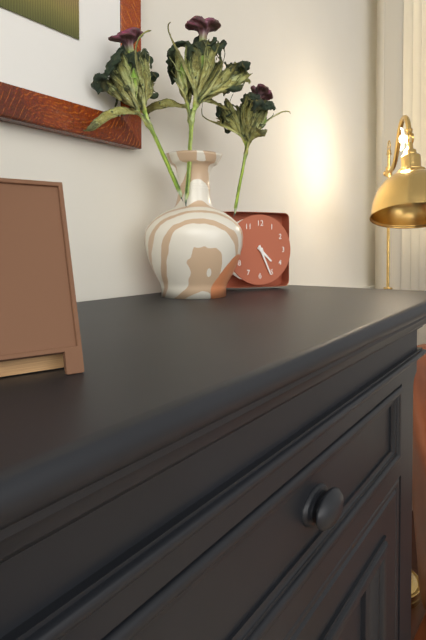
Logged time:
h=4 m=26
